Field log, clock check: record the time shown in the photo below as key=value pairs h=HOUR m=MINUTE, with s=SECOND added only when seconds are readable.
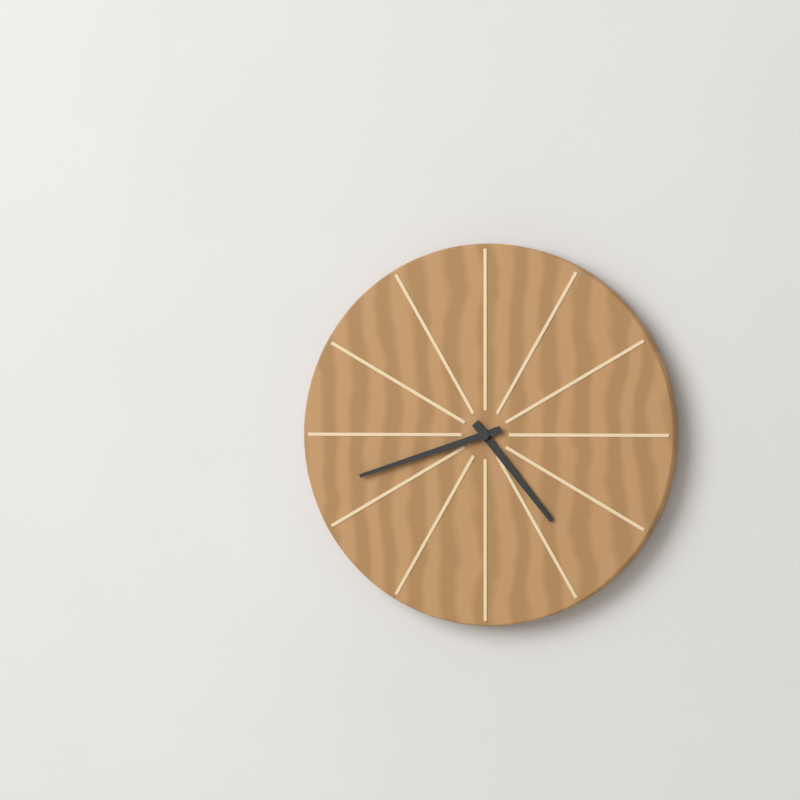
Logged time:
h=4 m=42
